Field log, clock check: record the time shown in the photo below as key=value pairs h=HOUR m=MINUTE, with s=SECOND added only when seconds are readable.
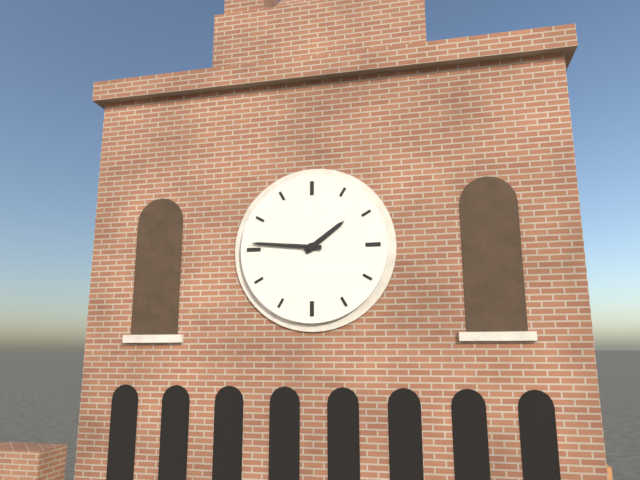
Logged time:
h=1 m=46
